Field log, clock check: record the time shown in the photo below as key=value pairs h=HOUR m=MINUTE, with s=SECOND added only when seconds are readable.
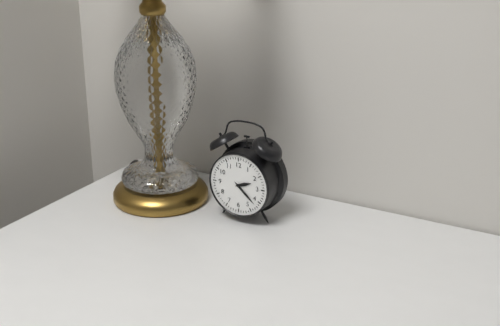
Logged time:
h=2 m=22
